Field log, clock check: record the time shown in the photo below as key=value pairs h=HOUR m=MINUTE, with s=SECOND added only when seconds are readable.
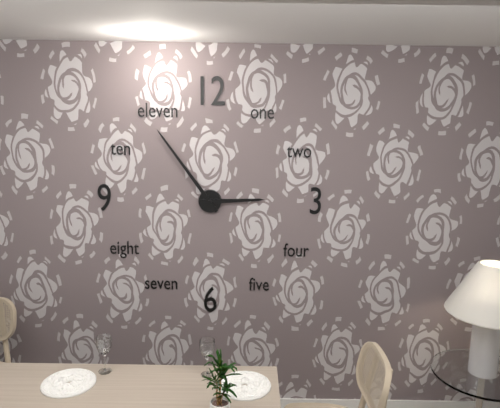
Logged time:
h=2 m=54
